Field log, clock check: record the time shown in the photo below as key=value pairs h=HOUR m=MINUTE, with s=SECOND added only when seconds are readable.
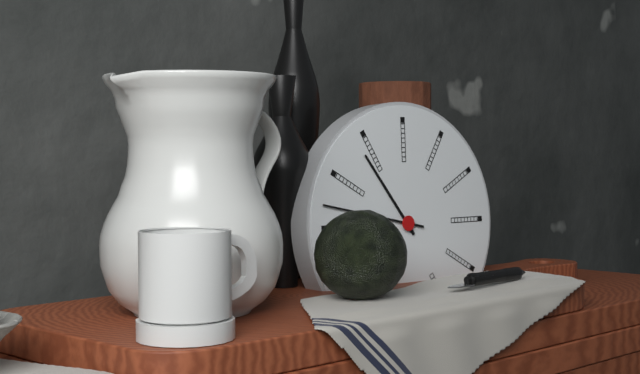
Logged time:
h=10 m=47
